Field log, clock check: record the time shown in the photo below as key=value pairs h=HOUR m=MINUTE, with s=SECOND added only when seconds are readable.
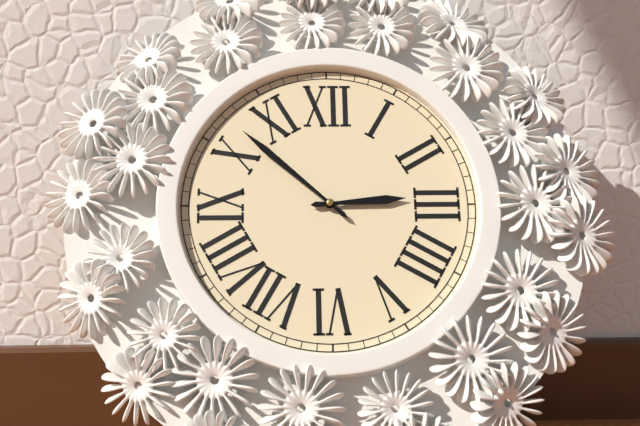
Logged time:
h=2 m=52
